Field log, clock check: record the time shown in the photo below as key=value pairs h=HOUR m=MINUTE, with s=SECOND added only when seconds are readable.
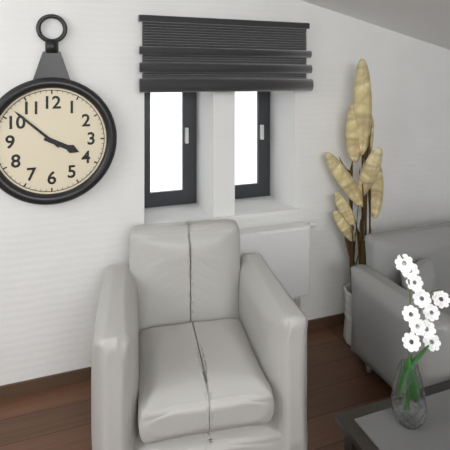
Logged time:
h=3 m=52
